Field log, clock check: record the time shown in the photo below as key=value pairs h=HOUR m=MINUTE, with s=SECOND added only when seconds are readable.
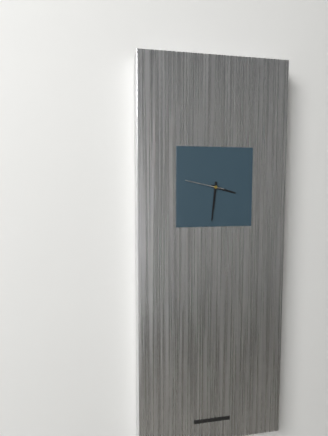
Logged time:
h=3 m=31
